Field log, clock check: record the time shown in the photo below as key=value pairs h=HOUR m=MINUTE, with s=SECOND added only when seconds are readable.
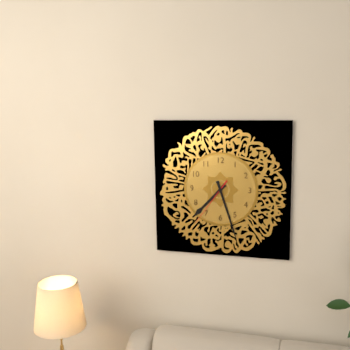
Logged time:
h=7 m=27 s=36
